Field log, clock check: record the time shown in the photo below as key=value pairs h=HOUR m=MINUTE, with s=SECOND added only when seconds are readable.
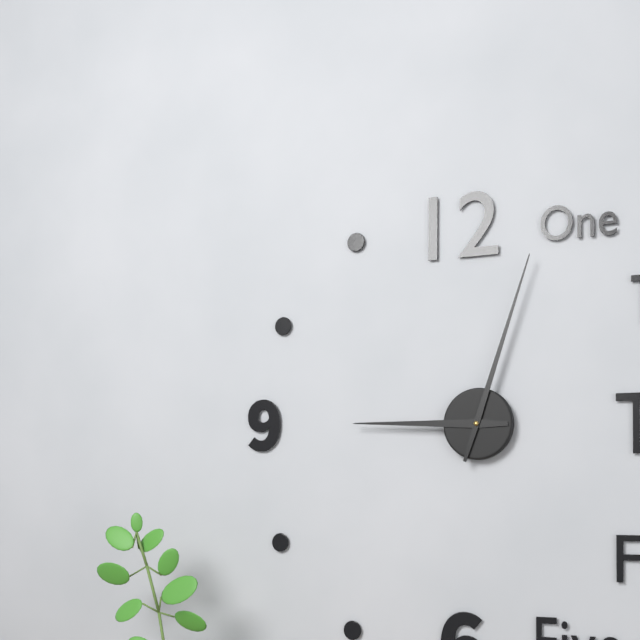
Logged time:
h=9 m=3
